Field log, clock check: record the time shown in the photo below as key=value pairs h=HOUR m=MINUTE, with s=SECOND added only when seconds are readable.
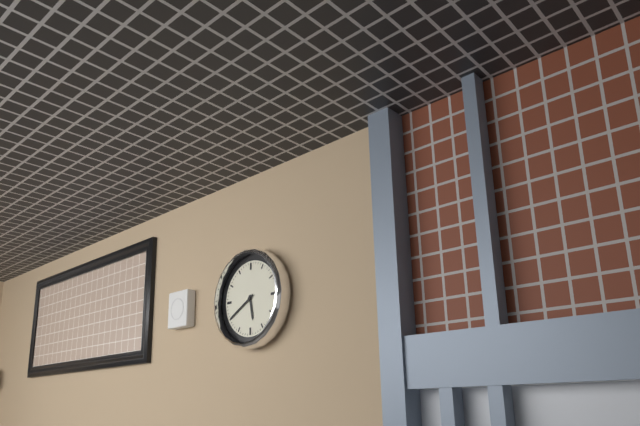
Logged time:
h=5 m=40
